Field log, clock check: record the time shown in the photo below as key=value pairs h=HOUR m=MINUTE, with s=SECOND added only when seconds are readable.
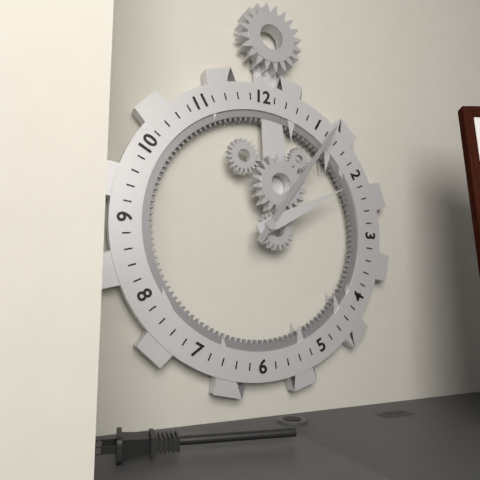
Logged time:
h=2 m=6
